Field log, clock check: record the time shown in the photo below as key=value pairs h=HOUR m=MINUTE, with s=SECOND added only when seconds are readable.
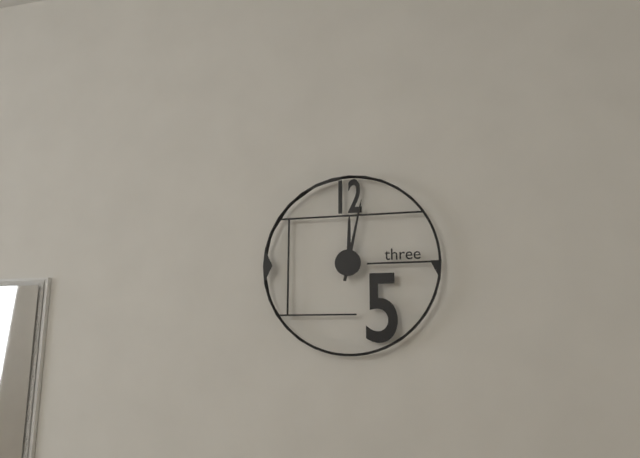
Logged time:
h=12 m=2
